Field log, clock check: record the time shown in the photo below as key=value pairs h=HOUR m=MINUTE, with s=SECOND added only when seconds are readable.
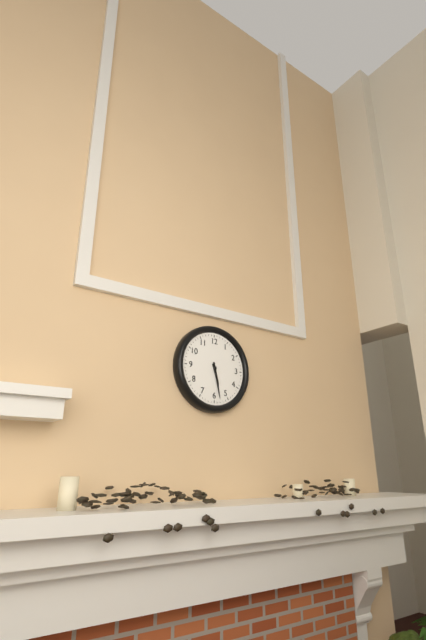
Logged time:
h=5 m=28
